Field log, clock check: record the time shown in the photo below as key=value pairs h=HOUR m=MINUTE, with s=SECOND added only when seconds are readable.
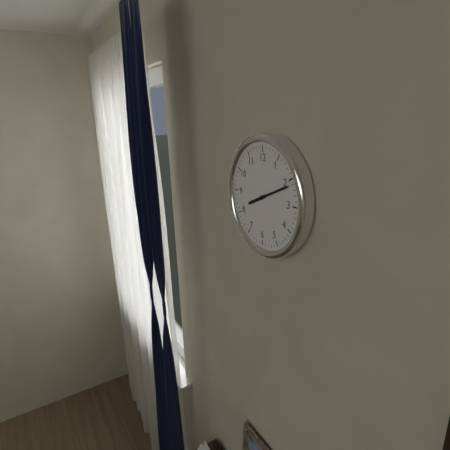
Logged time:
h=8 m=11
